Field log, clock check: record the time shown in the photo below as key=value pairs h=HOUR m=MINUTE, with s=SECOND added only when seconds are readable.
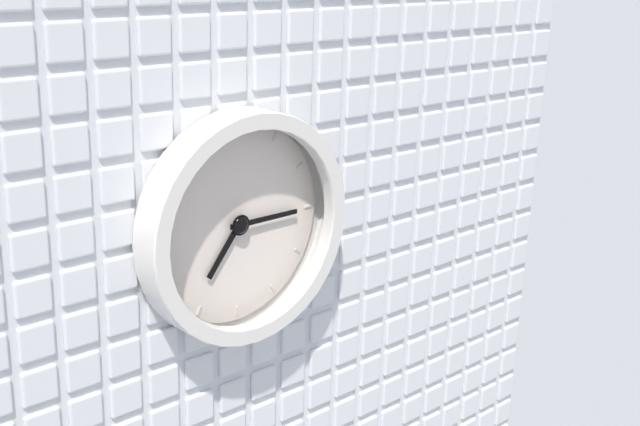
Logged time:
h=7 m=15
